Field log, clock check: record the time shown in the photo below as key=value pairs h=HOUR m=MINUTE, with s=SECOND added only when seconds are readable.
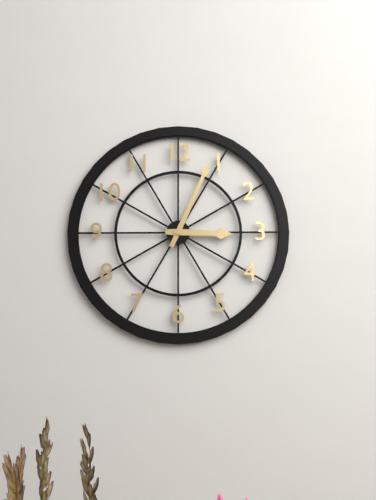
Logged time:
h=3 m=4
